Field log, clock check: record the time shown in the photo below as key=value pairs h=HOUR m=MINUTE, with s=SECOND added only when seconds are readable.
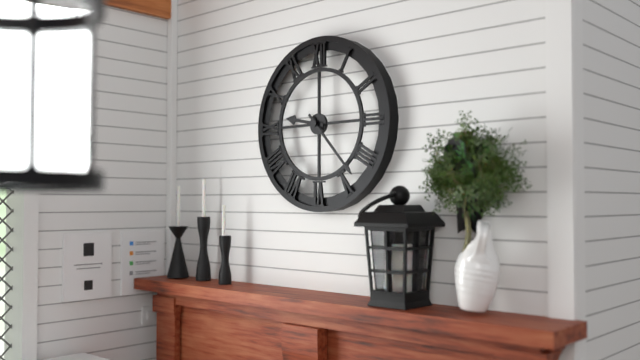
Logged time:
h=9 m=23
